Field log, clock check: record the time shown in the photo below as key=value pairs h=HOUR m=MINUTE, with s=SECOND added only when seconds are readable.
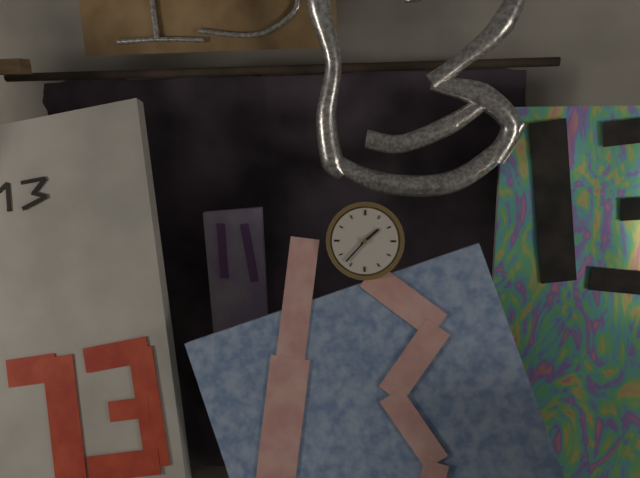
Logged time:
h=1 m=37
